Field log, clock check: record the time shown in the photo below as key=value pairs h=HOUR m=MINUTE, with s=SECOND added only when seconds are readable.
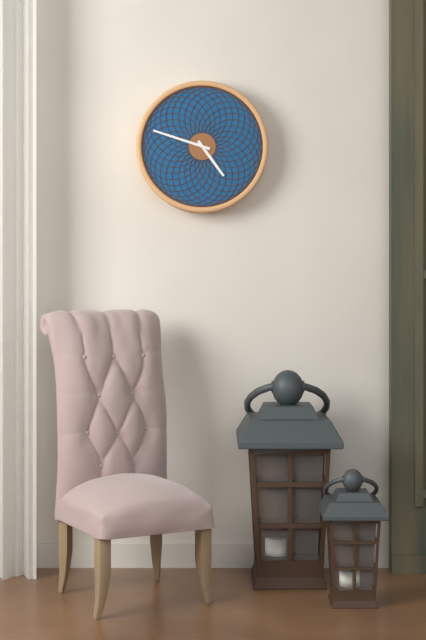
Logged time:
h=4 m=48
